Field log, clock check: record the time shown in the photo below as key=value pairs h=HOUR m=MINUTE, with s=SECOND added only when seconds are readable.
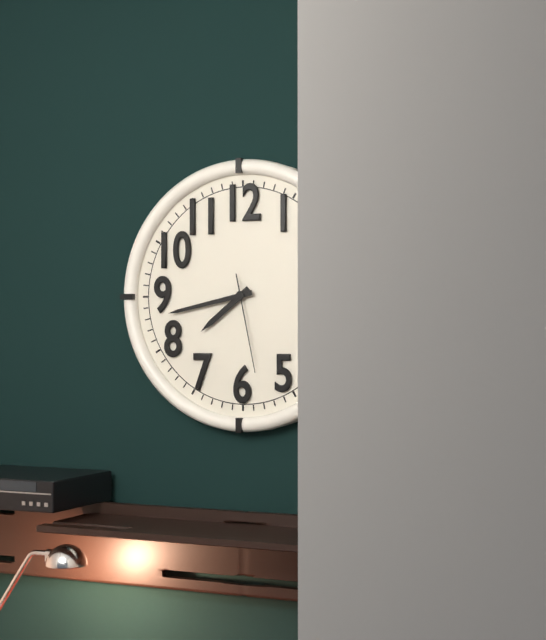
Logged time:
h=7 m=43 s=28
